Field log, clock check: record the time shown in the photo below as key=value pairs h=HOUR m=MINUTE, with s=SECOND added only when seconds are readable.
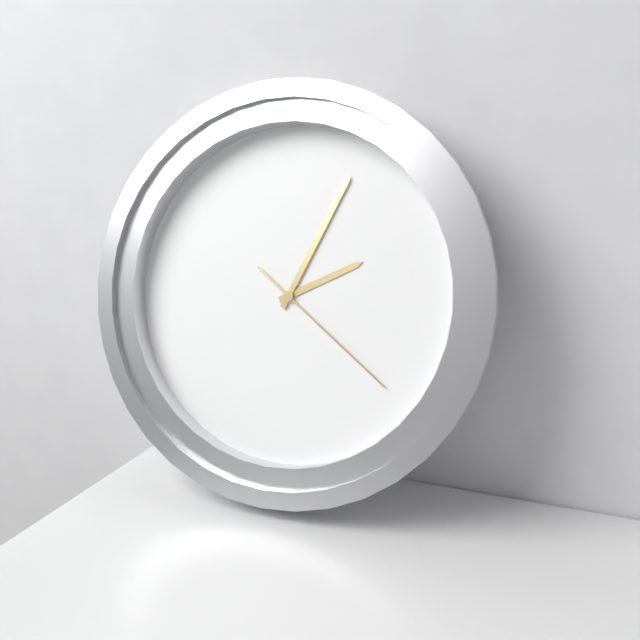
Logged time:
h=2 m=4 s=21
